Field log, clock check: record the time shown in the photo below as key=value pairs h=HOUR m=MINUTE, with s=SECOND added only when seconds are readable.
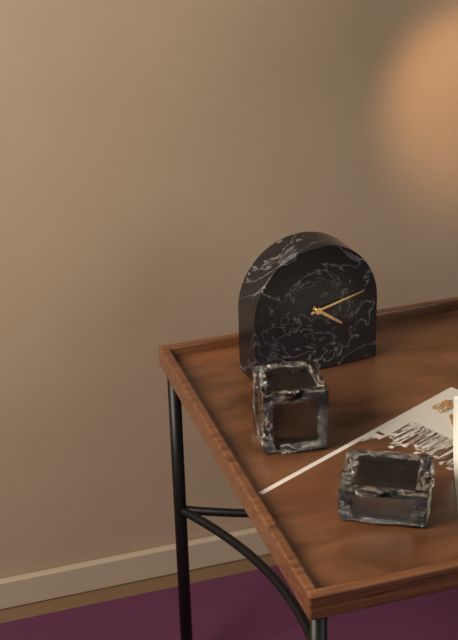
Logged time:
h=4 m=13
